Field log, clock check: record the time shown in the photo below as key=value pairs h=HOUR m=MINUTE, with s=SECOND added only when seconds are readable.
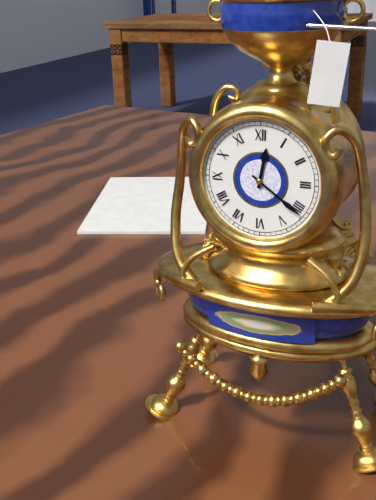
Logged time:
h=12 m=21
